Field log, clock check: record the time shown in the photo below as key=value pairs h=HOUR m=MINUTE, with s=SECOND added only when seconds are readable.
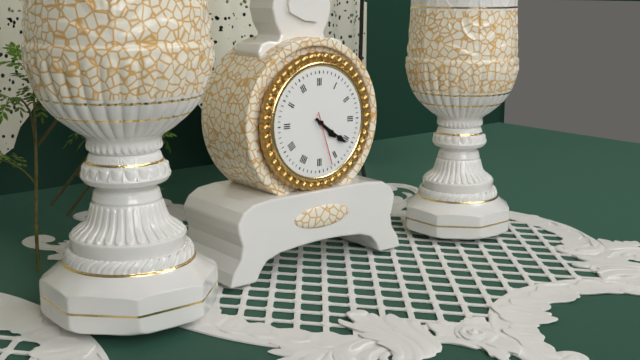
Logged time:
h=4 m=21 s=27
